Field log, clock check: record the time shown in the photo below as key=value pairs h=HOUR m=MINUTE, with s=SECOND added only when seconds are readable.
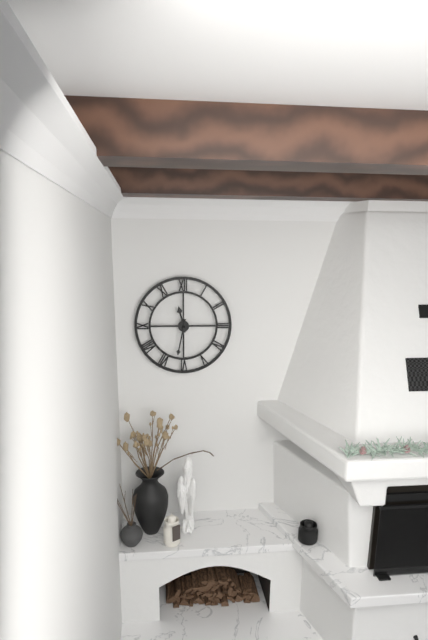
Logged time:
h=11 m=32
